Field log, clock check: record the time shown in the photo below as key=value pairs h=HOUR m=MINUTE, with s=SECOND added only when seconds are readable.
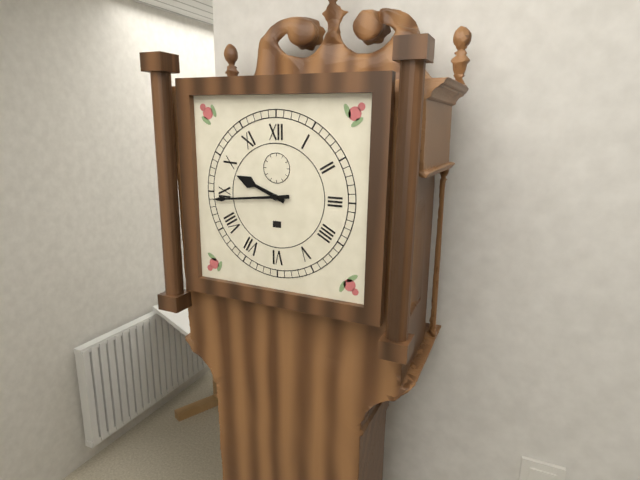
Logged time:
h=9 m=44
